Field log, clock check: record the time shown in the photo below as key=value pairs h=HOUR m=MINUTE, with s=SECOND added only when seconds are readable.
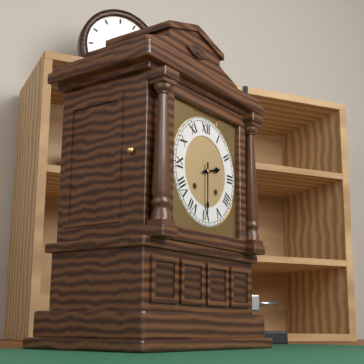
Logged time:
h=2 m=30
